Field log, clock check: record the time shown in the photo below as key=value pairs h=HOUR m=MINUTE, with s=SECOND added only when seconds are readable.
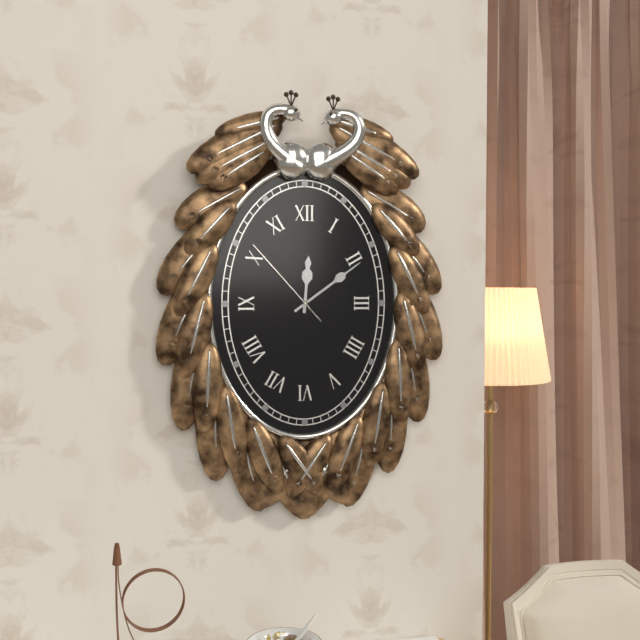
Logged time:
h=12 m=9 s=53
